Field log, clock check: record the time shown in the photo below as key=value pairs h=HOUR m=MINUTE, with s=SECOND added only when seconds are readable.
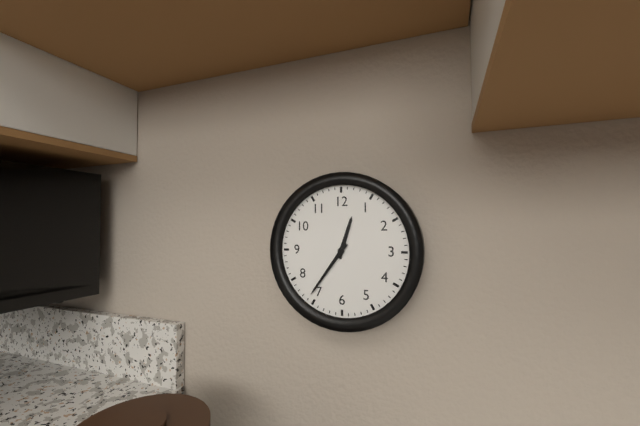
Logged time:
h=12 m=36
